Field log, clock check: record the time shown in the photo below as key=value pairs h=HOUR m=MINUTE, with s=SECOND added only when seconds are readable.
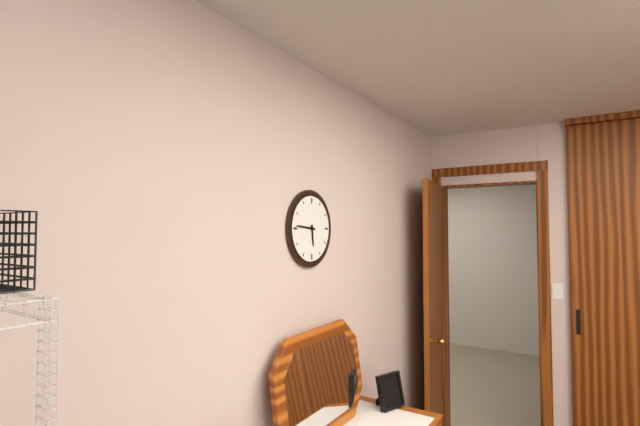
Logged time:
h=5 m=46
